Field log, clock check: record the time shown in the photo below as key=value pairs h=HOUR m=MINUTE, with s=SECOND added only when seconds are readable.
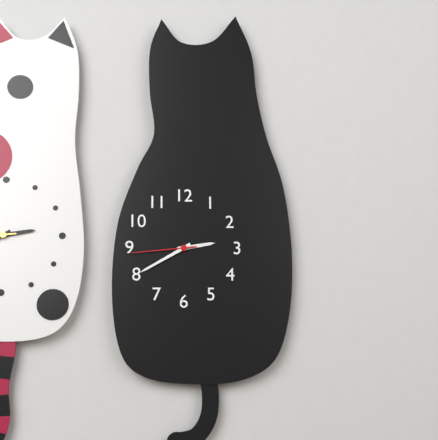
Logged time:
h=2 m=40 s=44
